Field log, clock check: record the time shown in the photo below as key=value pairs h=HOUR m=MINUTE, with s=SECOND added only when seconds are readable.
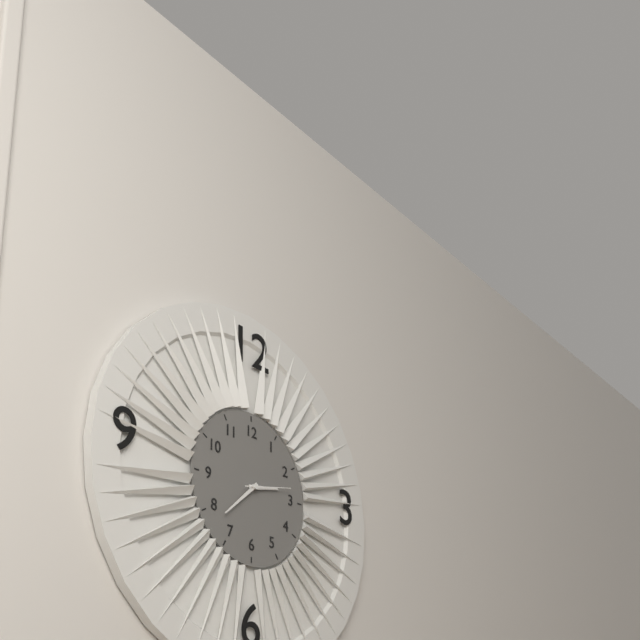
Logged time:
h=2 m=38
